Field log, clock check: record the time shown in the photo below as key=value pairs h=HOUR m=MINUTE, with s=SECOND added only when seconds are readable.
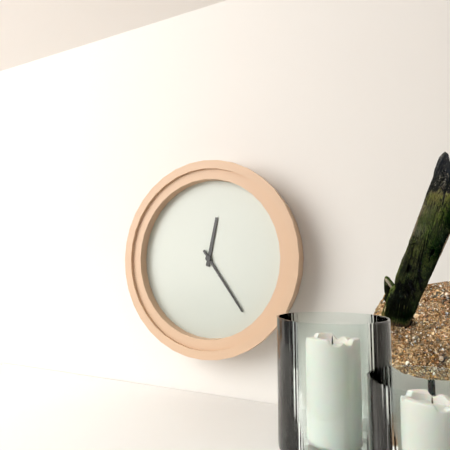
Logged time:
h=12 m=24
